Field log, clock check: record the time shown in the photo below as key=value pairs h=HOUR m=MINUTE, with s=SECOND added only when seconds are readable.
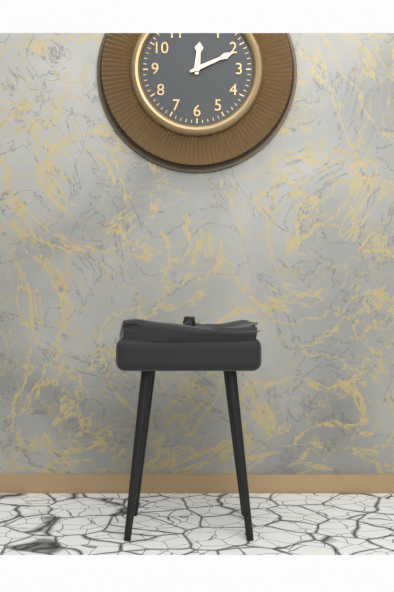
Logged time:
h=12 m=11
